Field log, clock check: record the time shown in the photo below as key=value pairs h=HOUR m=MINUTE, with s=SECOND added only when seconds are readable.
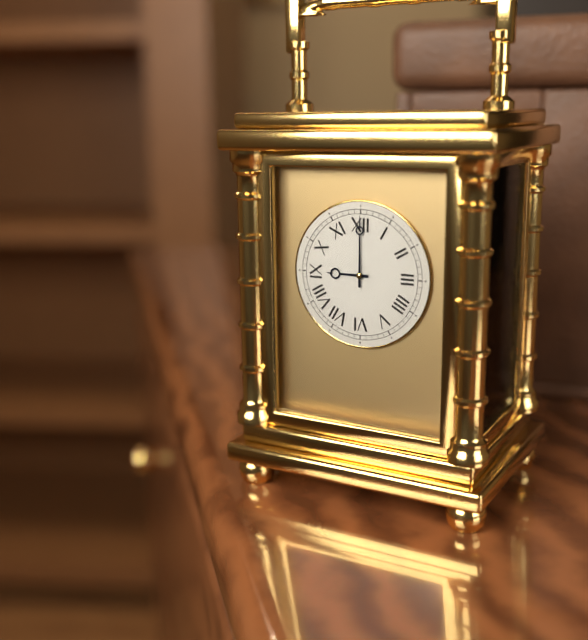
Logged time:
h=9 m=0
